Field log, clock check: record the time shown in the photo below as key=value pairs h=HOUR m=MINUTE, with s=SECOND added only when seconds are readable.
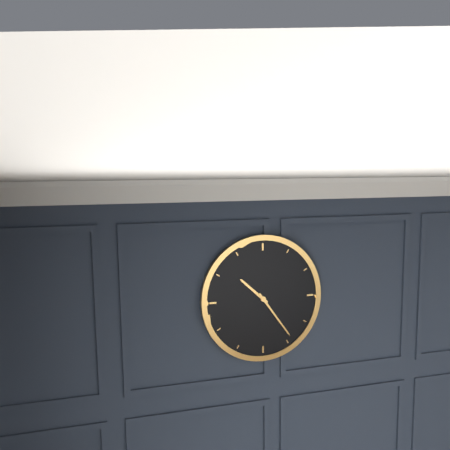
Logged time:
h=10 m=24
